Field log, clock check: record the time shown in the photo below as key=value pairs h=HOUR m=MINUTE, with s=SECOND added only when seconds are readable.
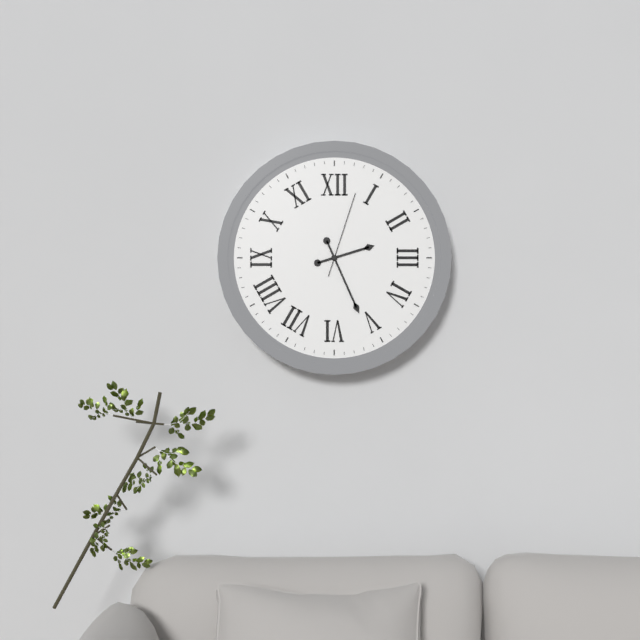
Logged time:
h=2 m=26 s=3
